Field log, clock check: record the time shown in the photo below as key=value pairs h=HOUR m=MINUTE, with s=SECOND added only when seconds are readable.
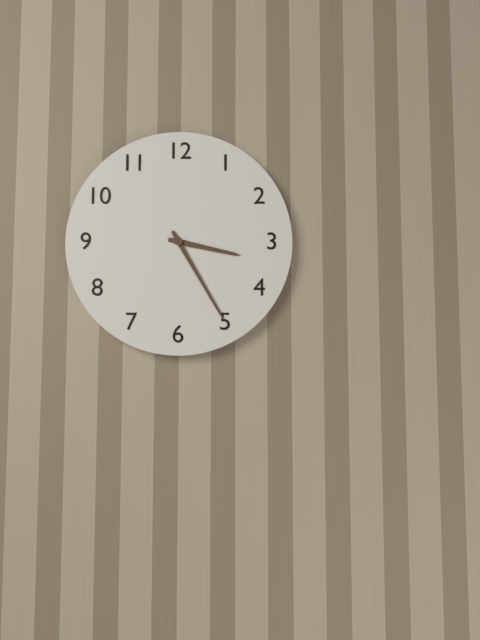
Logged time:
h=3 m=25
